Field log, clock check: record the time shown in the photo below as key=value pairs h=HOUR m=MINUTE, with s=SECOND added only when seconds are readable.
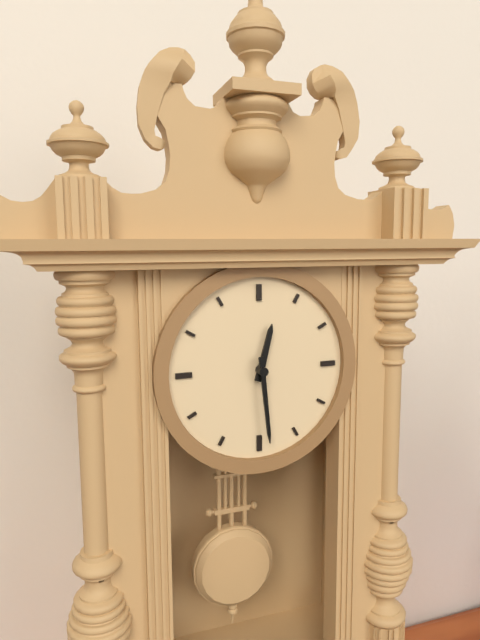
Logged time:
h=12 m=29
